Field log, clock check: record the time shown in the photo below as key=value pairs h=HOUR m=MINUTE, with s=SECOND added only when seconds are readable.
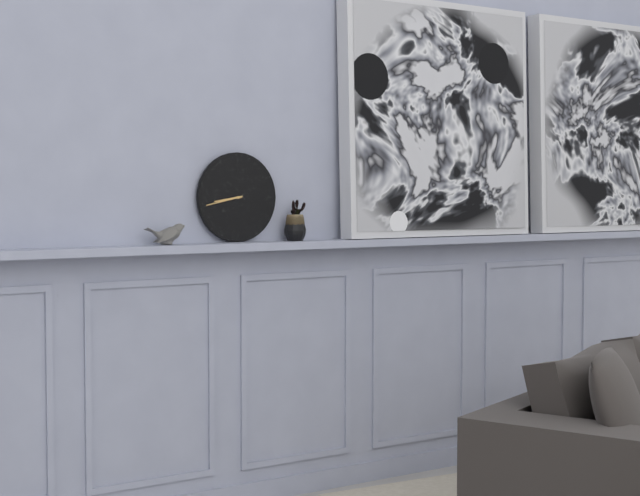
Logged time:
h=8 m=43
